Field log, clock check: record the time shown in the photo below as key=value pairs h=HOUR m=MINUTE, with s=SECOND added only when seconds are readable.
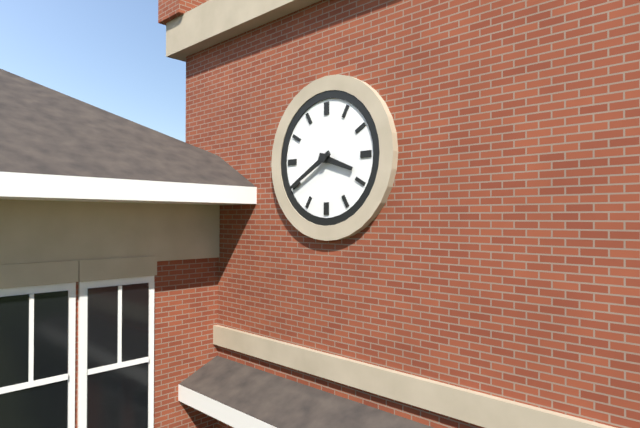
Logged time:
h=3 m=40
